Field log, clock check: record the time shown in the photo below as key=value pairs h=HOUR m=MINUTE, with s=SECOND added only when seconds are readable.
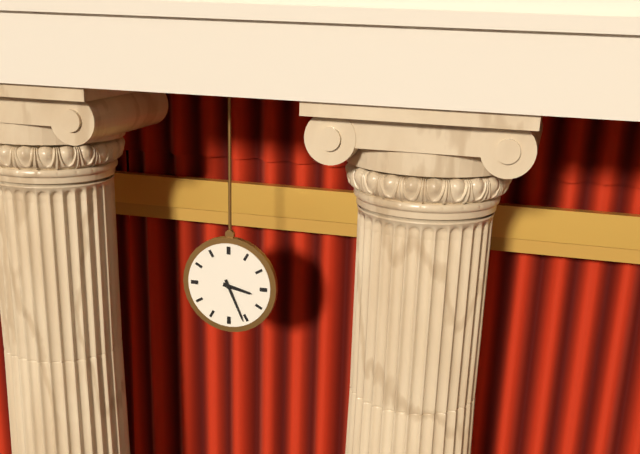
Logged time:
h=3 m=26
